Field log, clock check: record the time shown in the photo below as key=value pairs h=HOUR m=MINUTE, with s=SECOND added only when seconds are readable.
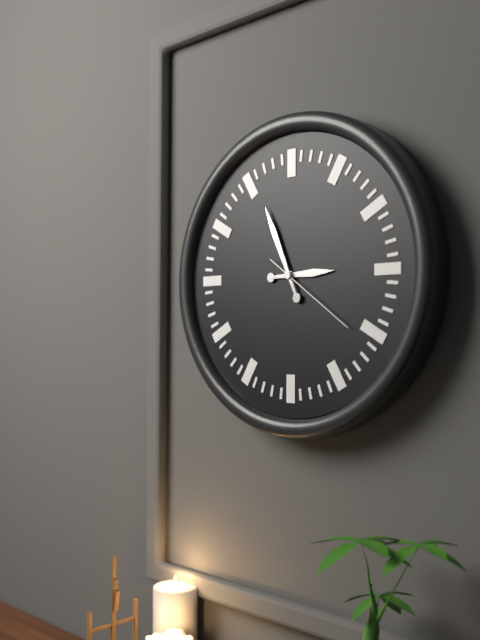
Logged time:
h=2 m=56 s=21
